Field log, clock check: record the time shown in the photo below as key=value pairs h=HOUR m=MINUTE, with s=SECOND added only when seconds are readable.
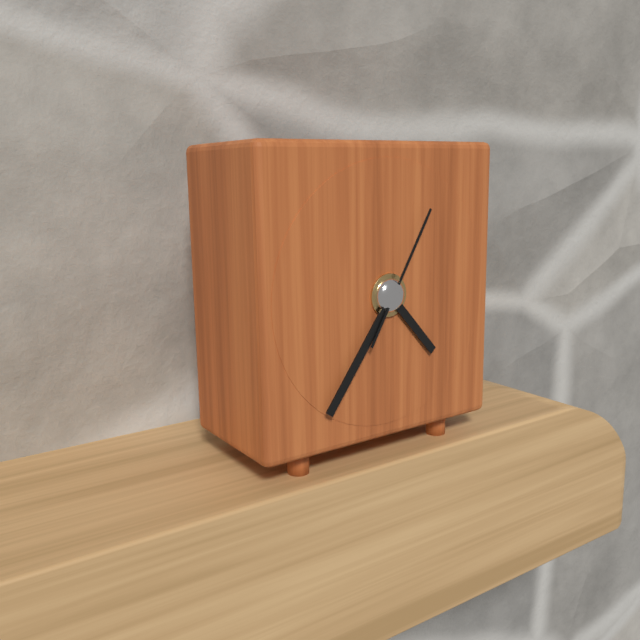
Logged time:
h=4 m=36 s=5
